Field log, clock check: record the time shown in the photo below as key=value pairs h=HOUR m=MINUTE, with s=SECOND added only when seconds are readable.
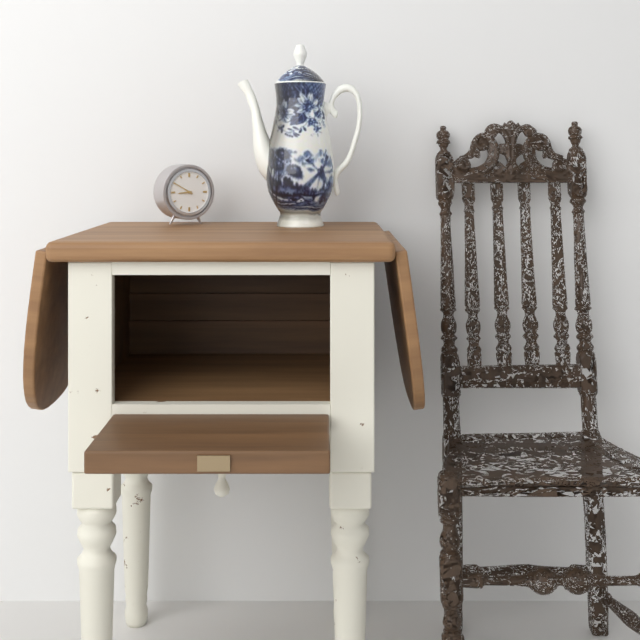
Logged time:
h=8 m=50
